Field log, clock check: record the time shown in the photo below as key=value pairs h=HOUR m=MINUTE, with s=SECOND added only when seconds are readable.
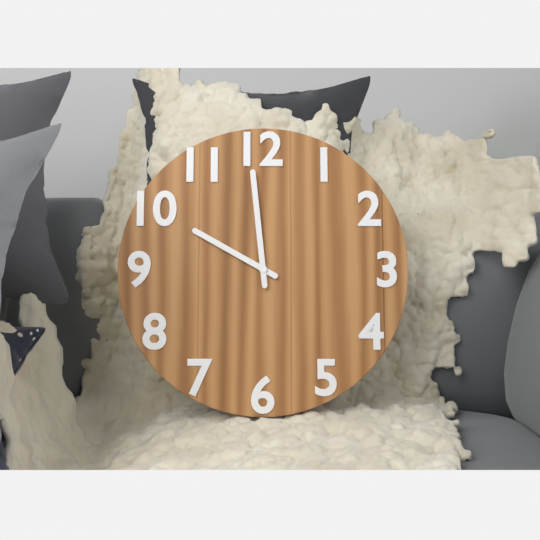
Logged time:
h=9 m=59
